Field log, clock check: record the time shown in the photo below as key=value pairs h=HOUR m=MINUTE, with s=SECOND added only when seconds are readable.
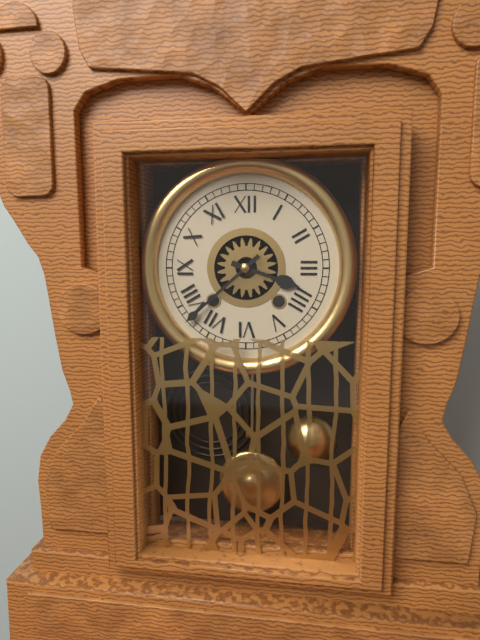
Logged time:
h=3 m=38
